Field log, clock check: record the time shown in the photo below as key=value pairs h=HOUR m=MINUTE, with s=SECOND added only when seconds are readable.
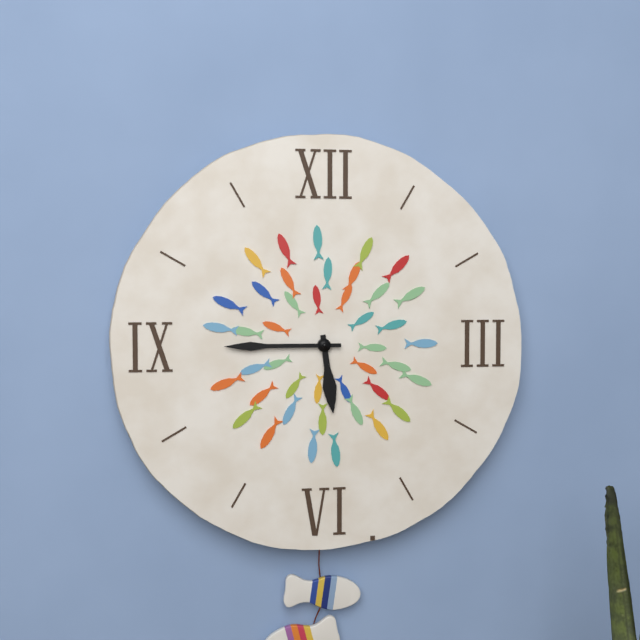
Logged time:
h=5 m=45
